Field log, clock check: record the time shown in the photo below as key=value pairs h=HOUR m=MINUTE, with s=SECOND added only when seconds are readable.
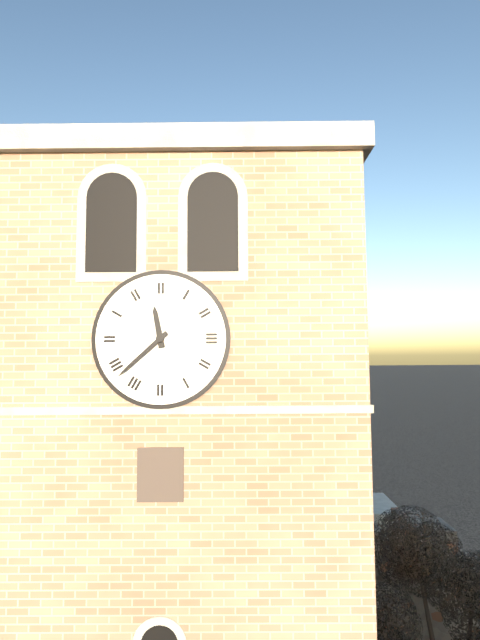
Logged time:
h=11 m=38
